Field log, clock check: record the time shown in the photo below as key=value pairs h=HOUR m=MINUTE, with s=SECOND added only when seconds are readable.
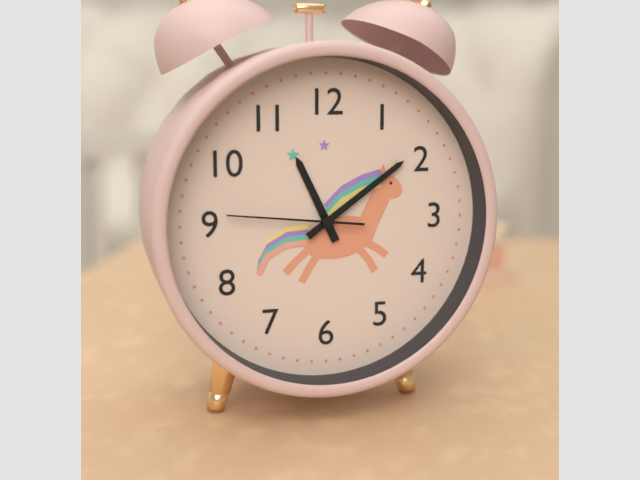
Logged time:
h=11 m=9 s=46
